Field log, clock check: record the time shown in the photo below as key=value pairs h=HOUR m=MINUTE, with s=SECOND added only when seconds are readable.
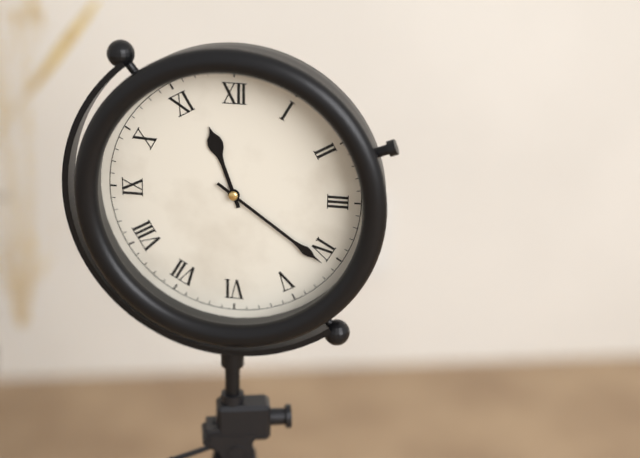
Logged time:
h=11 m=21
